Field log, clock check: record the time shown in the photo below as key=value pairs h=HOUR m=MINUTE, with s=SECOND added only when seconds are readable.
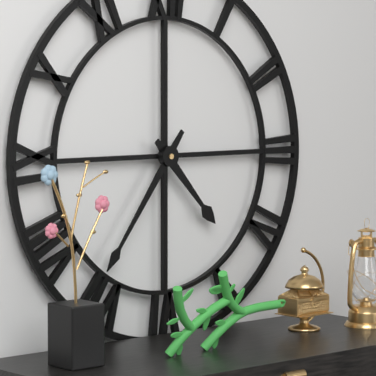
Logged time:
h=4 m=36
